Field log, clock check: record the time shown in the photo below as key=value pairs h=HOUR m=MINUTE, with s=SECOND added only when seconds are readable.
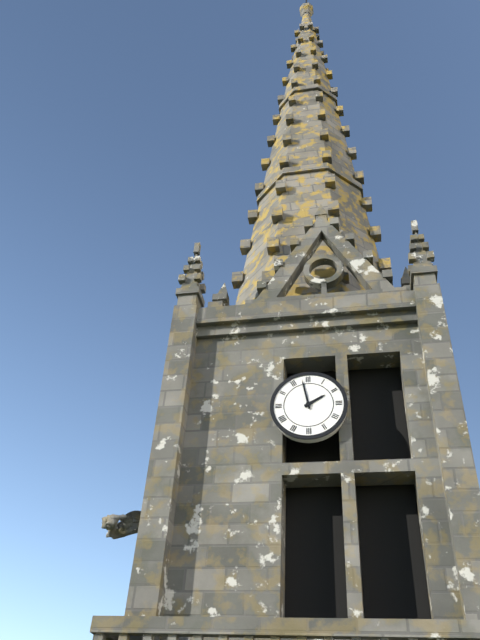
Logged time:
h=1 m=58
